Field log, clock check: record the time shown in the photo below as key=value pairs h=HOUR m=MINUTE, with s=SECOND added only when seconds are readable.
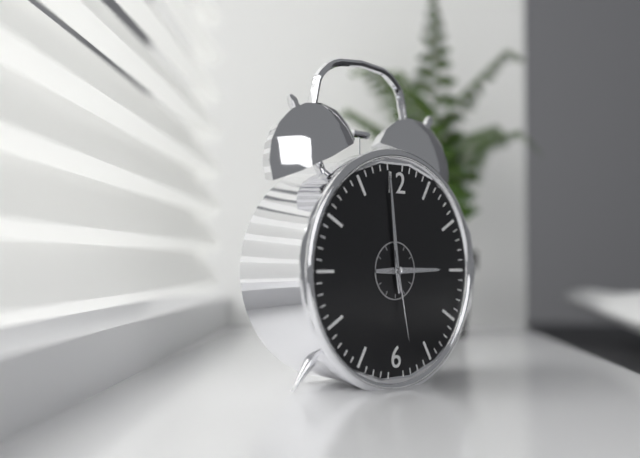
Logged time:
h=2 m=59 s=28
